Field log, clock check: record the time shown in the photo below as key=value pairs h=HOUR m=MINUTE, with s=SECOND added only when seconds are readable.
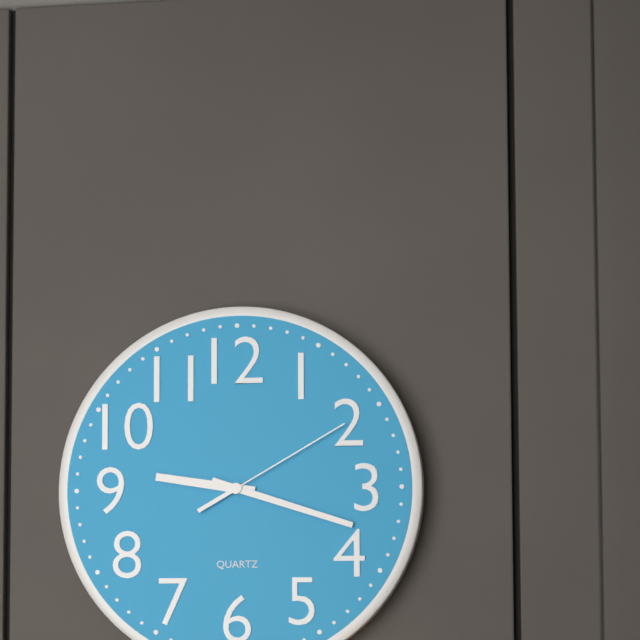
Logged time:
h=9 m=18 s=10
